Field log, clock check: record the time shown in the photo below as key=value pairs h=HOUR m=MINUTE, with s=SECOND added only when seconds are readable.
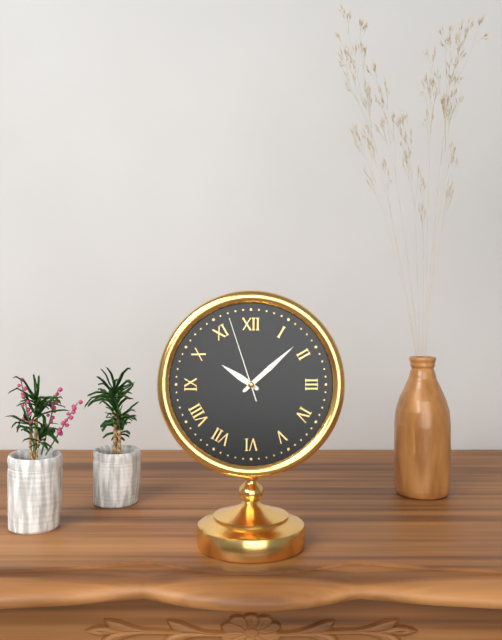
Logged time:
h=10 m=8 s=57
